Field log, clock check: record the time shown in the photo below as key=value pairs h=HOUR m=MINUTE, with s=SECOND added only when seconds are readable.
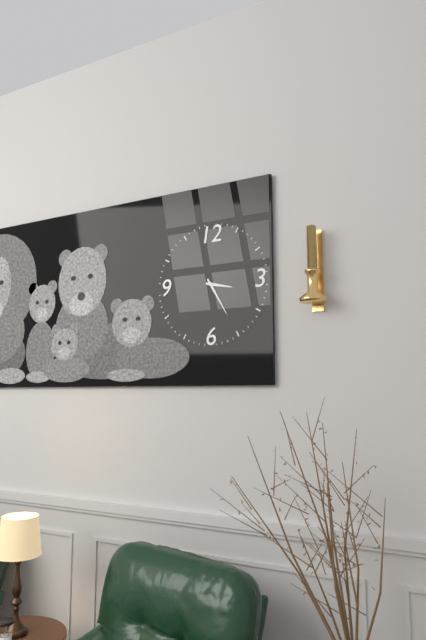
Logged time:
h=3 m=25
